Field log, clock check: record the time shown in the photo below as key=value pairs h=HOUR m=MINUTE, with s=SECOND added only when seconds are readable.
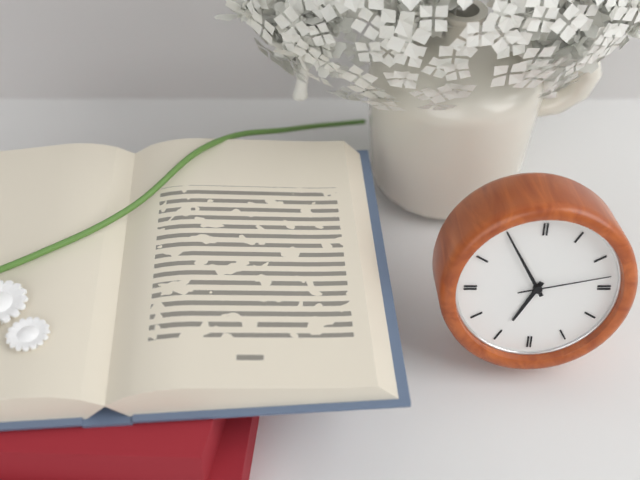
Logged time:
h=6 m=55 s=13
